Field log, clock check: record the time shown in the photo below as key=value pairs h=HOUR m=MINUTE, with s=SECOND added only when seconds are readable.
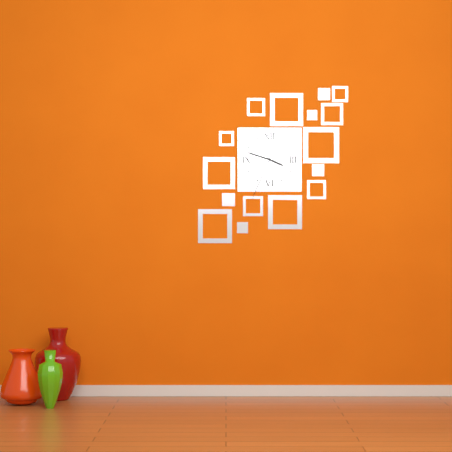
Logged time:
h=3 m=48 s=34
